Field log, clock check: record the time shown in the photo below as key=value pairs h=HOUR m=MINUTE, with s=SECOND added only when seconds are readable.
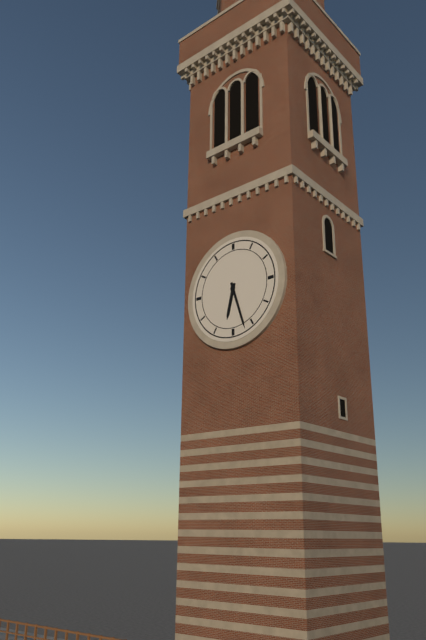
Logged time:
h=6 m=27
